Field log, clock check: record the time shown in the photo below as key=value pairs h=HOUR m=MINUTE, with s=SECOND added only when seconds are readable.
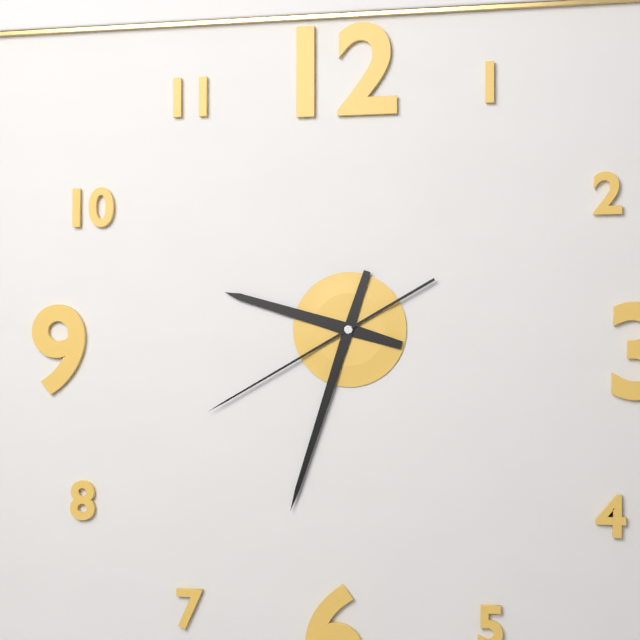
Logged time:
h=9 m=33 s=40
